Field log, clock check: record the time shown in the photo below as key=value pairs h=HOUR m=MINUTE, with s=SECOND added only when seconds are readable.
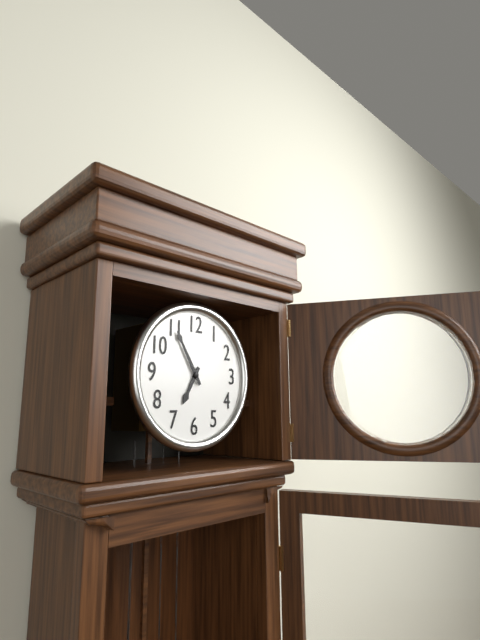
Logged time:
h=6 m=55
